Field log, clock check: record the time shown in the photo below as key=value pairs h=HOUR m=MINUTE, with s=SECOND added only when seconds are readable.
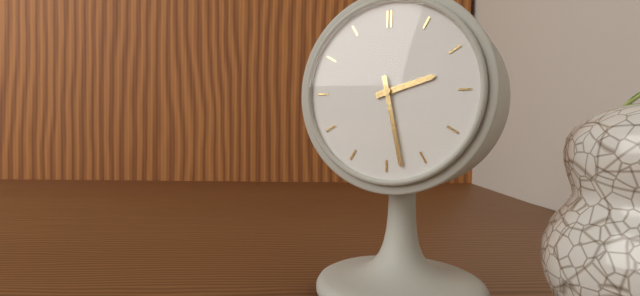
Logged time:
h=2 m=28
